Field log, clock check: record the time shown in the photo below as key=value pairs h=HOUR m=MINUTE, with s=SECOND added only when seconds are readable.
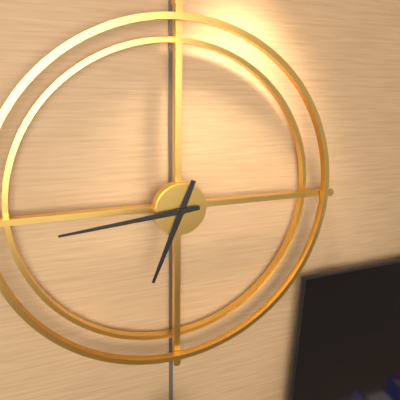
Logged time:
h=6 m=44
